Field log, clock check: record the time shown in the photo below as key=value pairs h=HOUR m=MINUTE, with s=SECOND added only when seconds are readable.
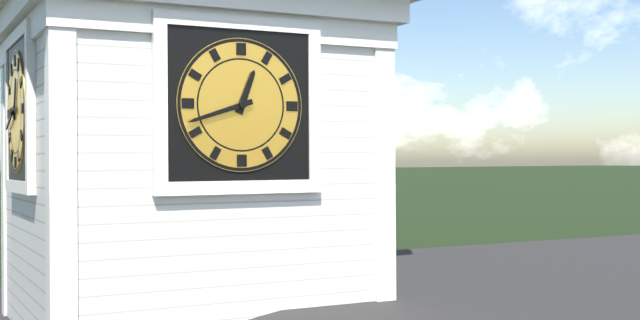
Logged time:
h=12 m=42
